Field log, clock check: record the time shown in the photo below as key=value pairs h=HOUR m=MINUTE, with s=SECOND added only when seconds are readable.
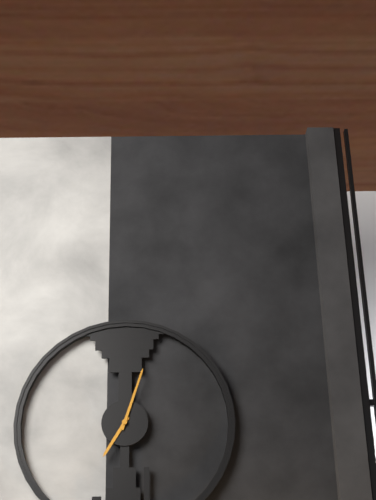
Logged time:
h=7 m=3
